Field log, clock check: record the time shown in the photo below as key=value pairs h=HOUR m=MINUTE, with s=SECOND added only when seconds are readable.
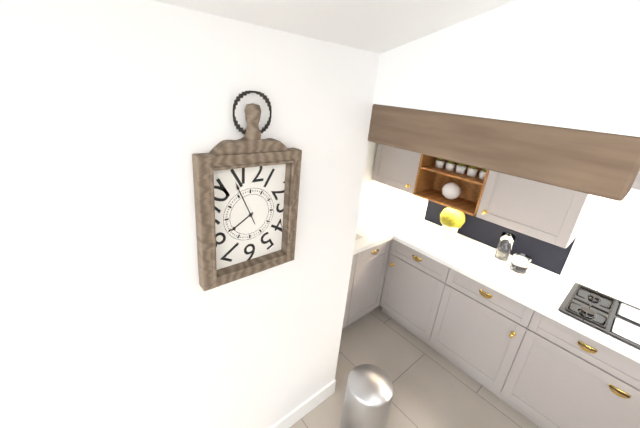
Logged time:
h=7 m=56
